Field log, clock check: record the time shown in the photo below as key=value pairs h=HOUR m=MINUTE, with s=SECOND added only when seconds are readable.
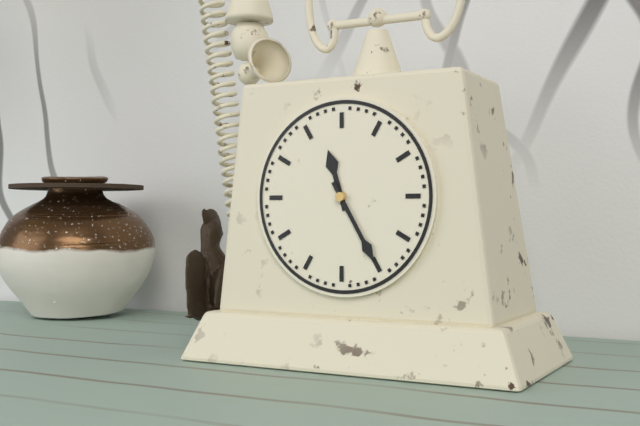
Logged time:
h=11 m=25
